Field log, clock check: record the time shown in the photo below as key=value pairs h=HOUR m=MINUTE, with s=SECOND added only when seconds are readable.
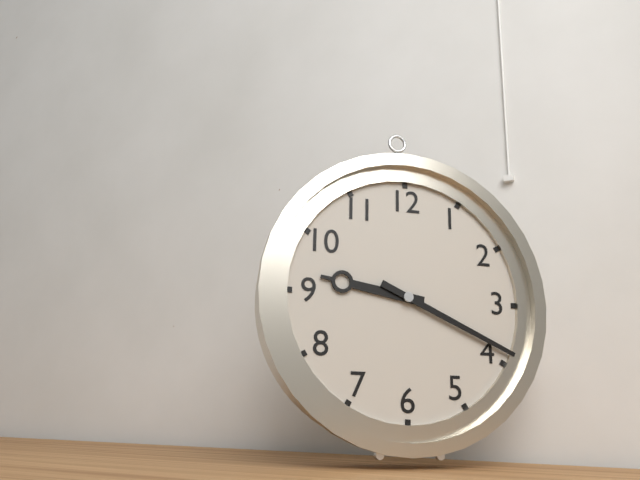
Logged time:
h=9 m=19
